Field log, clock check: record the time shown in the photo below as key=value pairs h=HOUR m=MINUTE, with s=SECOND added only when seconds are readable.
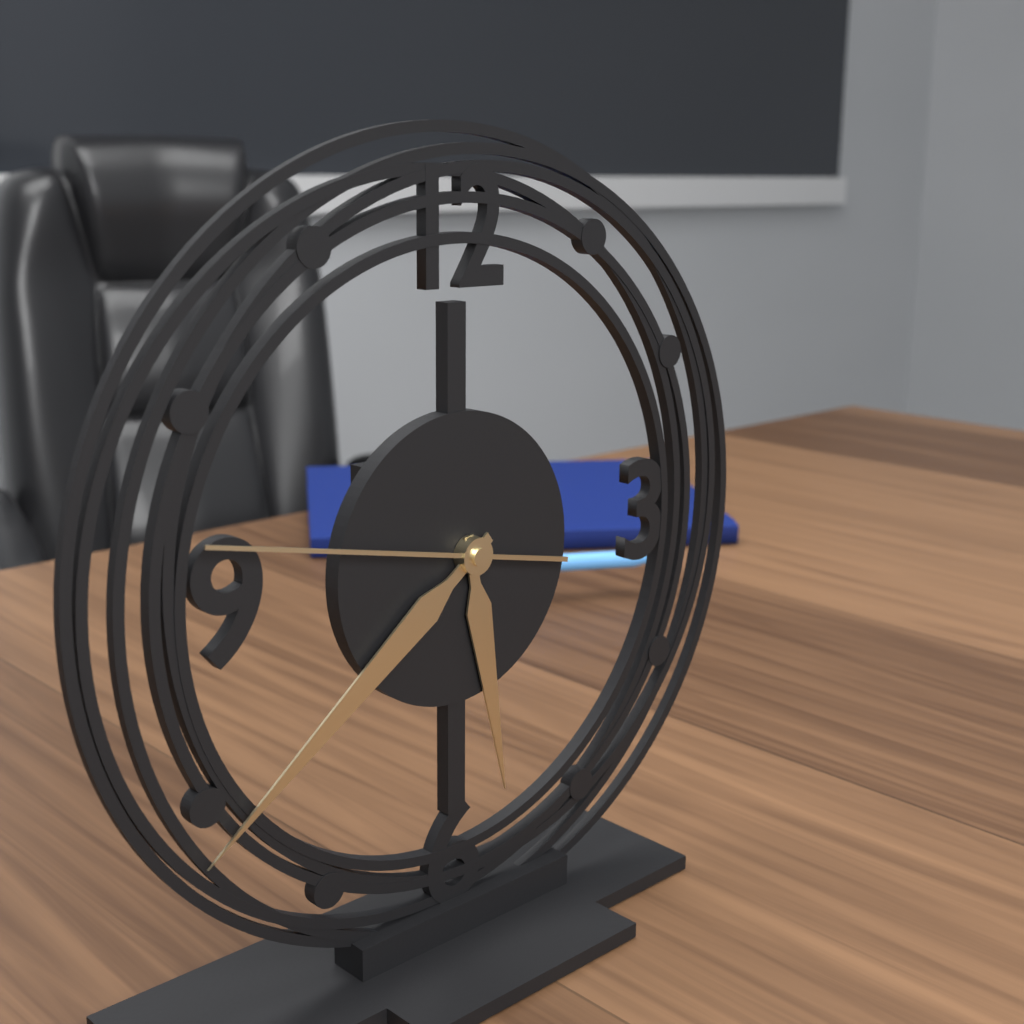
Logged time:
h=5 m=39 s=47
